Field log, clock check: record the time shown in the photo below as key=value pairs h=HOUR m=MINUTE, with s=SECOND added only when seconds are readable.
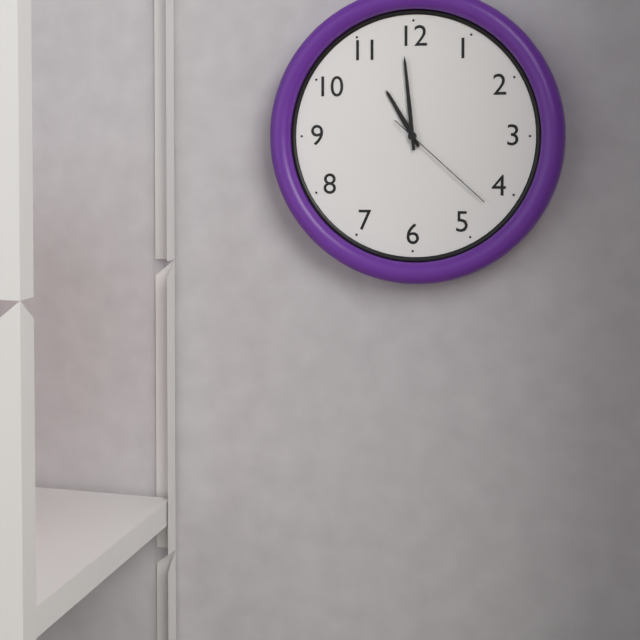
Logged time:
h=10 m=59 s=22
